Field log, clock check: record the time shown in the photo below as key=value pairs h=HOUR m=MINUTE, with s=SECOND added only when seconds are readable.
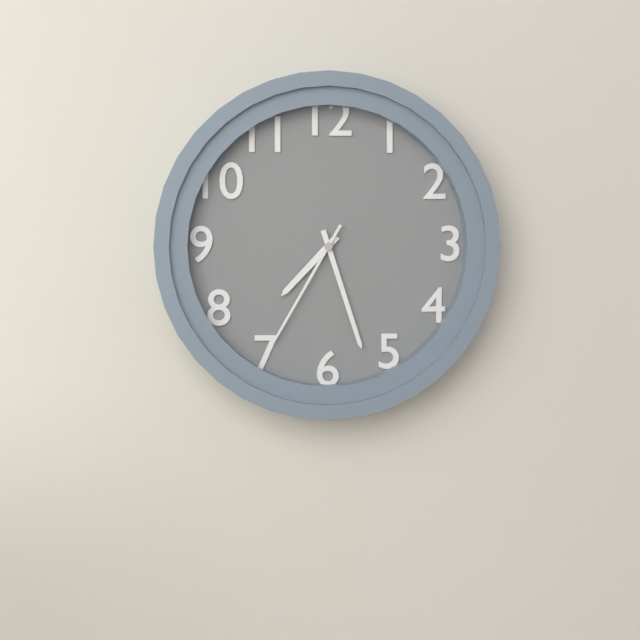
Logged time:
h=7 m=27 s=35
